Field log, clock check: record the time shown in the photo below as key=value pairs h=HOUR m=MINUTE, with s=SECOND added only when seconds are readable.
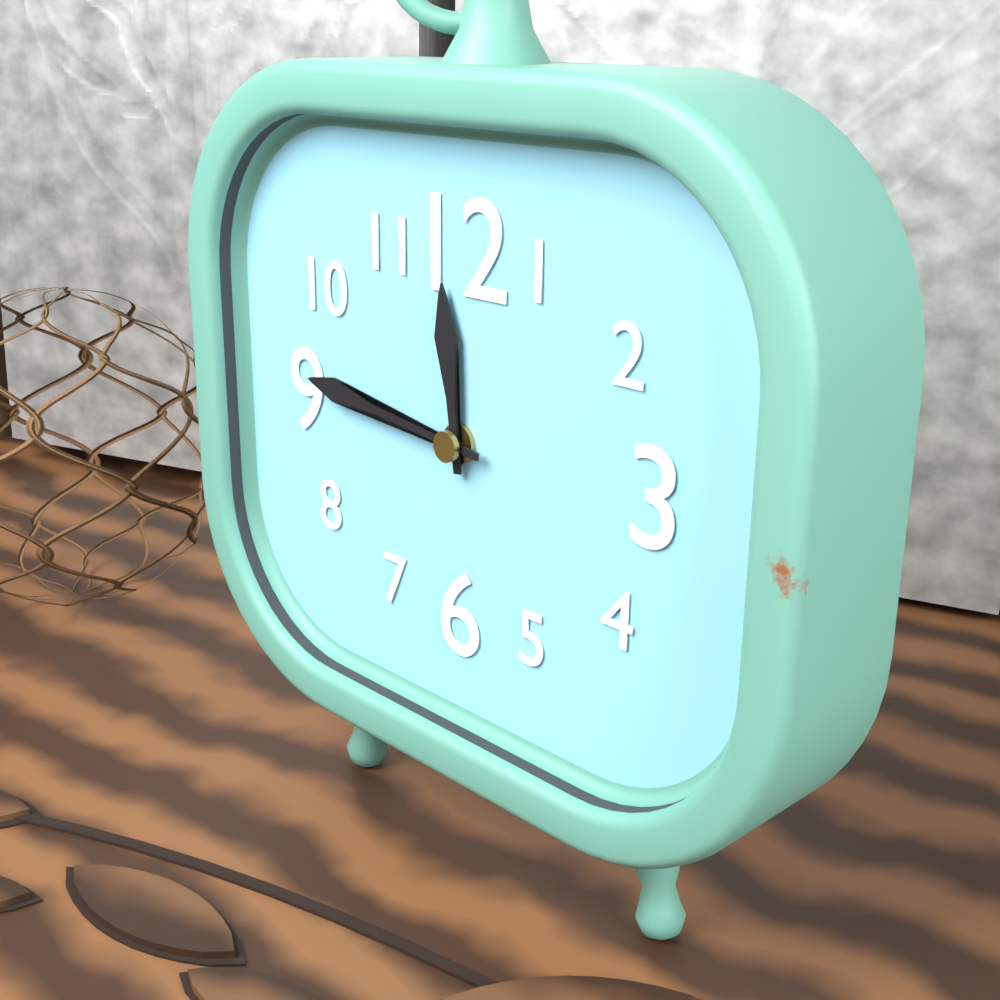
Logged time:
h=11 m=46
